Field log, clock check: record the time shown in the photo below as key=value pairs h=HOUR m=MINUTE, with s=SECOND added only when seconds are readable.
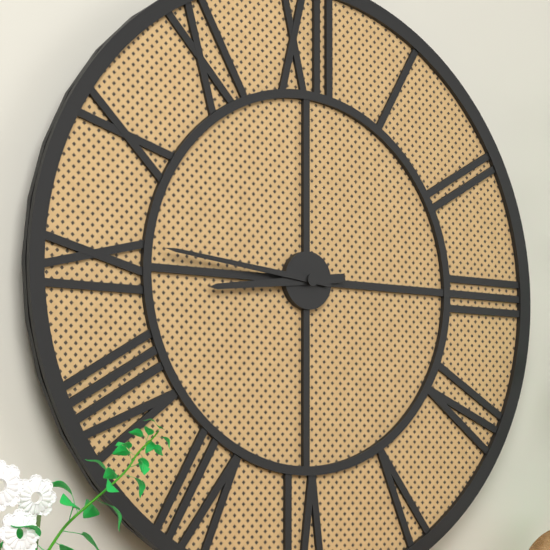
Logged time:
h=8 m=46
